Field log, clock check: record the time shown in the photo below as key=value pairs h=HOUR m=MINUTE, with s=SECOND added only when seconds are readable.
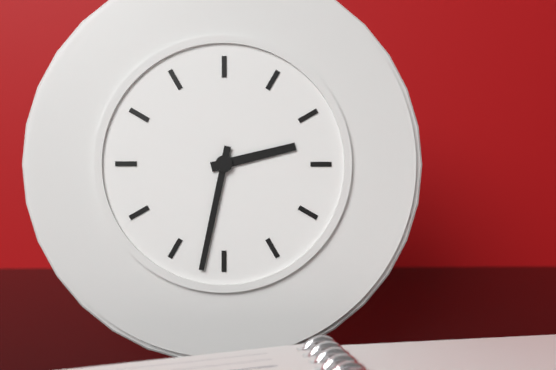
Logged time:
h=2 m=32
